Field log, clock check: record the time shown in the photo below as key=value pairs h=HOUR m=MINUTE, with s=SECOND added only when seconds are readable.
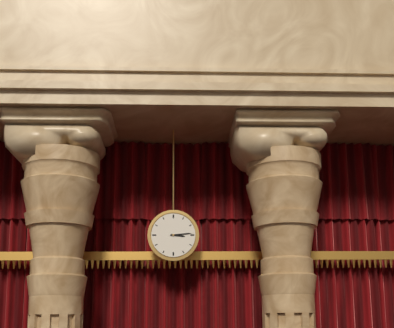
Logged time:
h=3 m=14
